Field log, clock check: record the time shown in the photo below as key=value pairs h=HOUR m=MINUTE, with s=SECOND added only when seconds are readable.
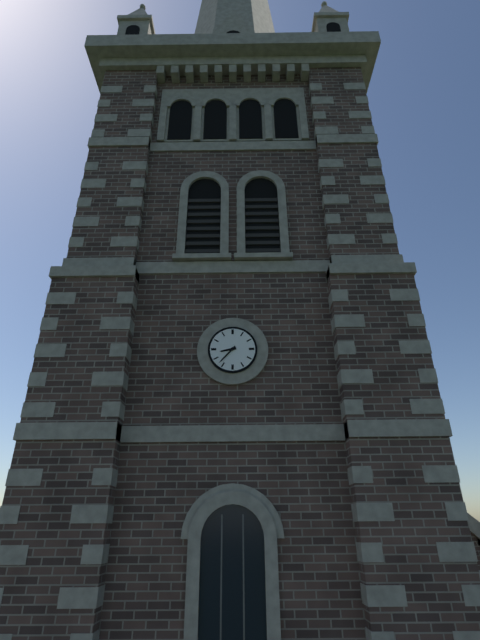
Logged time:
h=8 m=37
